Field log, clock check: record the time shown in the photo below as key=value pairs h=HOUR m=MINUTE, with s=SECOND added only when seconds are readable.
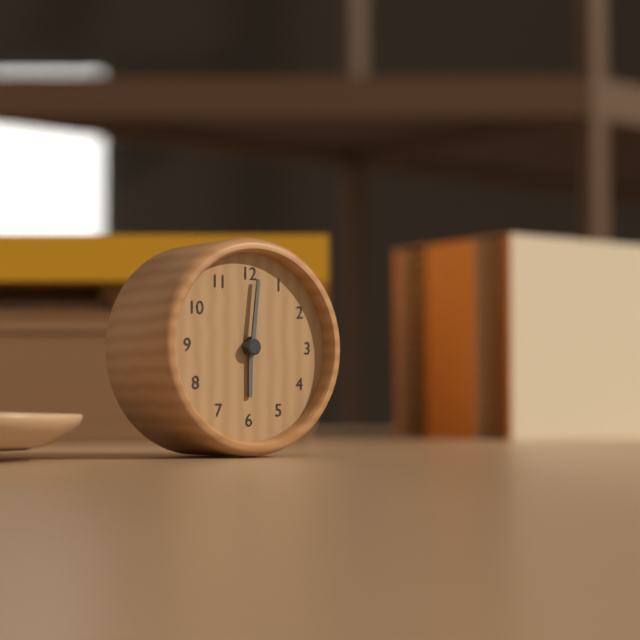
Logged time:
h=6 m=1
